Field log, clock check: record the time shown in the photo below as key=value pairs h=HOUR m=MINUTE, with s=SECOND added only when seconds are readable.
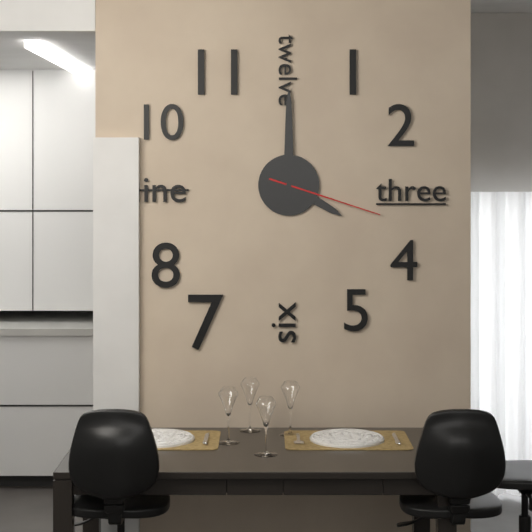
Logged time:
h=4 m=0 s=18
